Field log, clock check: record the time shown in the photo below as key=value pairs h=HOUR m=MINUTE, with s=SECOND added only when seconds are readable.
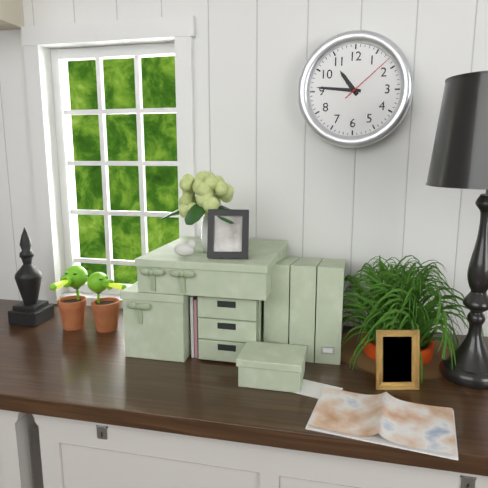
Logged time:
h=10 m=46 s=8
